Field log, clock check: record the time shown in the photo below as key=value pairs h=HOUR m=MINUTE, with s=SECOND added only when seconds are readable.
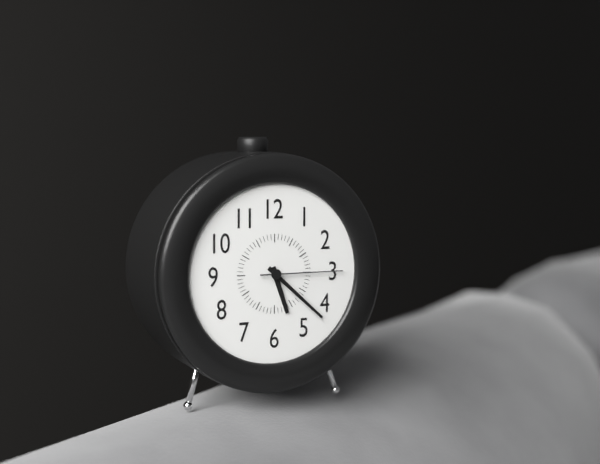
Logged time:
h=5 m=22 s=15
